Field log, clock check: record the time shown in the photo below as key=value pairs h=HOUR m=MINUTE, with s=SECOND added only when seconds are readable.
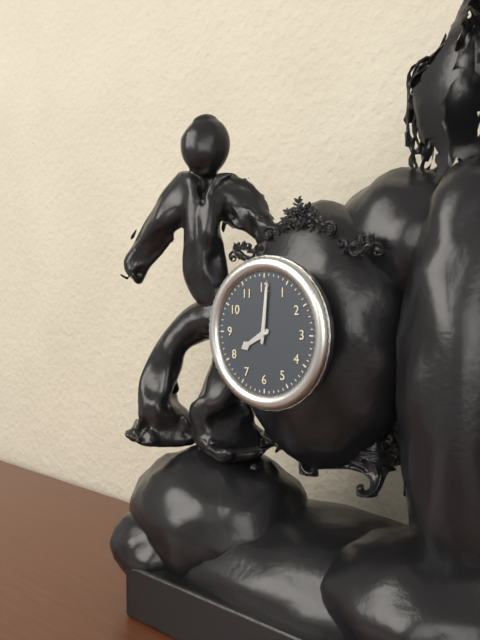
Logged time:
h=8 m=1
